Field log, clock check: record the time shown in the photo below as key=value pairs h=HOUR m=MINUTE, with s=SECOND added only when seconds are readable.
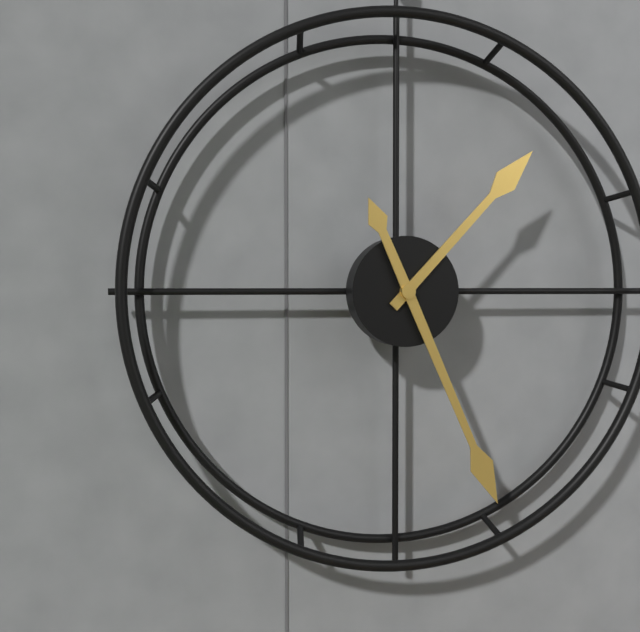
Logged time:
h=1 m=26
